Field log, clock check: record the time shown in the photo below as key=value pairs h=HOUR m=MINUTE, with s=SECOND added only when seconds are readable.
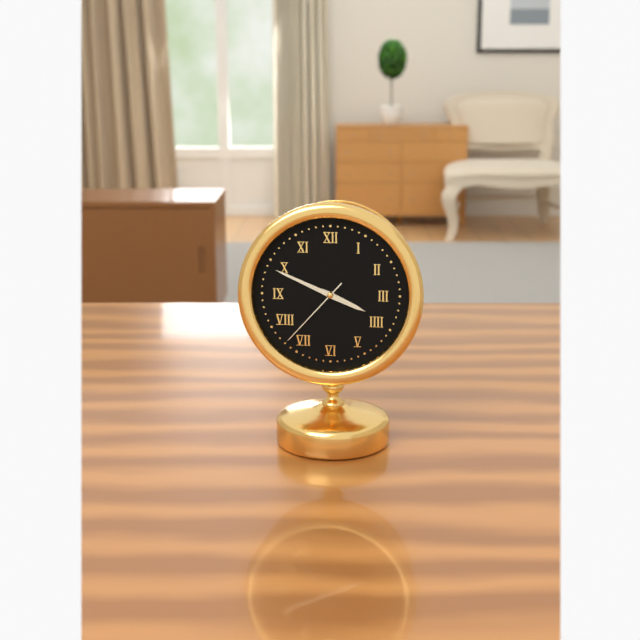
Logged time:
h=3 m=49 s=37
